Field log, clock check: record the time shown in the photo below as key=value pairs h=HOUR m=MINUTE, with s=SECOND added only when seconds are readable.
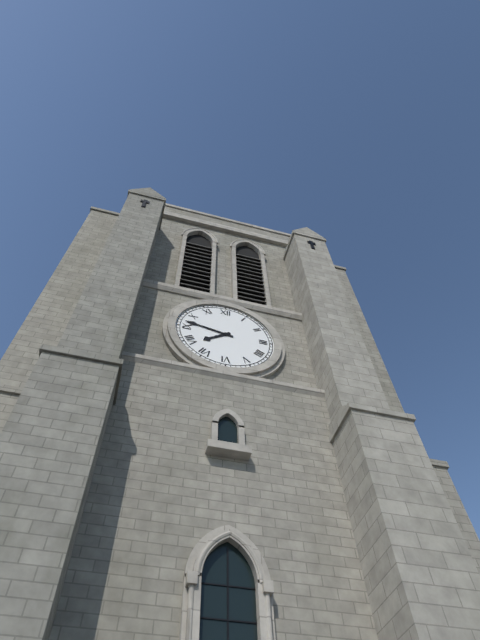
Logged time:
h=7 m=47
